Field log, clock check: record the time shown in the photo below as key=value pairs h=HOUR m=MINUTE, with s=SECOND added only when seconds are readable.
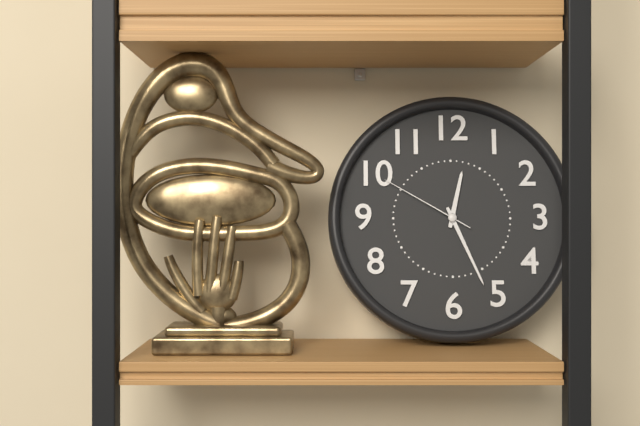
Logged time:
h=12 m=26 s=50
